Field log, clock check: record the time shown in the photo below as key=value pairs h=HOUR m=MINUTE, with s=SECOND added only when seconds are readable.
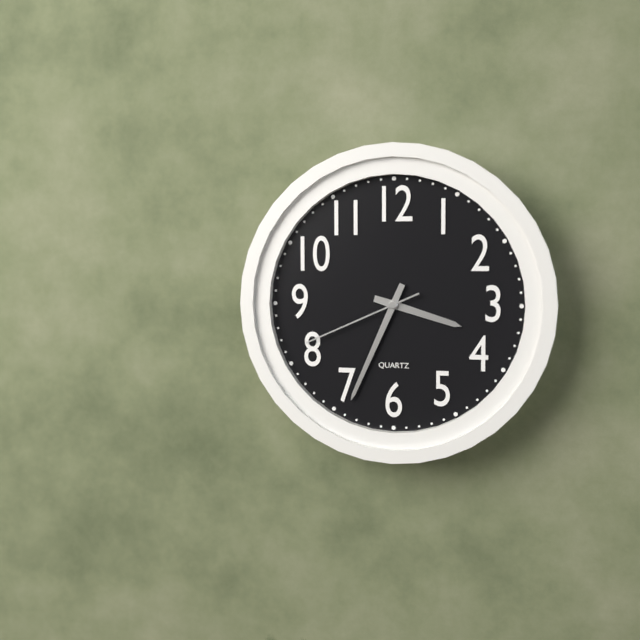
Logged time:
h=3 m=34 s=41
